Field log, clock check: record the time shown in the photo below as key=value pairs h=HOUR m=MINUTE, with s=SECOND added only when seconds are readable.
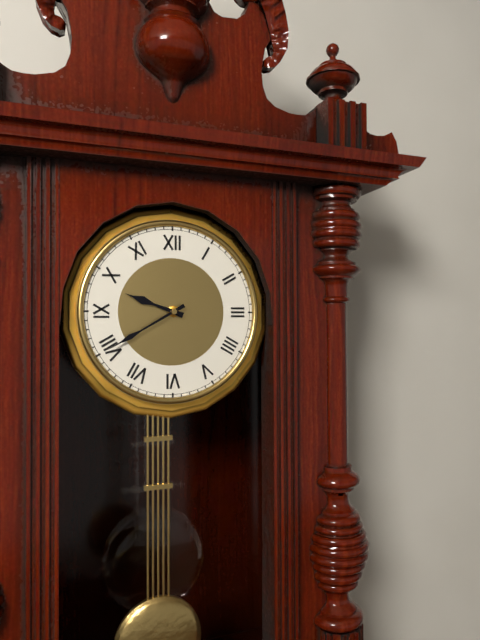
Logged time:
h=9 m=40
